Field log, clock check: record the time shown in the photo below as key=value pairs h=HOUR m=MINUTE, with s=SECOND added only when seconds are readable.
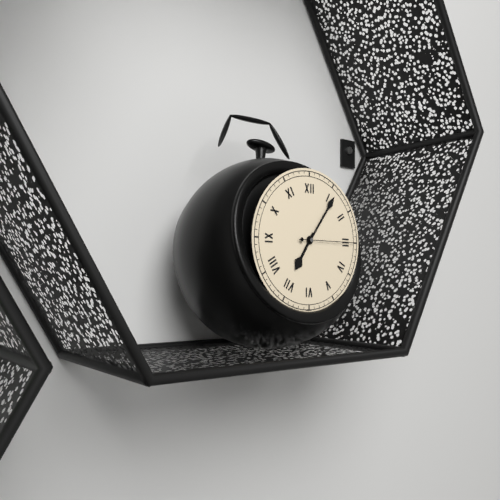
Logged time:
h=7 m=6 s=15
